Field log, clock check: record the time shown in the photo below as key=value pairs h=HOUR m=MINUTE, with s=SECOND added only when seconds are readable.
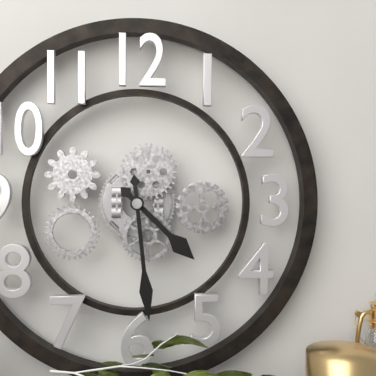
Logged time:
h=4 m=29
